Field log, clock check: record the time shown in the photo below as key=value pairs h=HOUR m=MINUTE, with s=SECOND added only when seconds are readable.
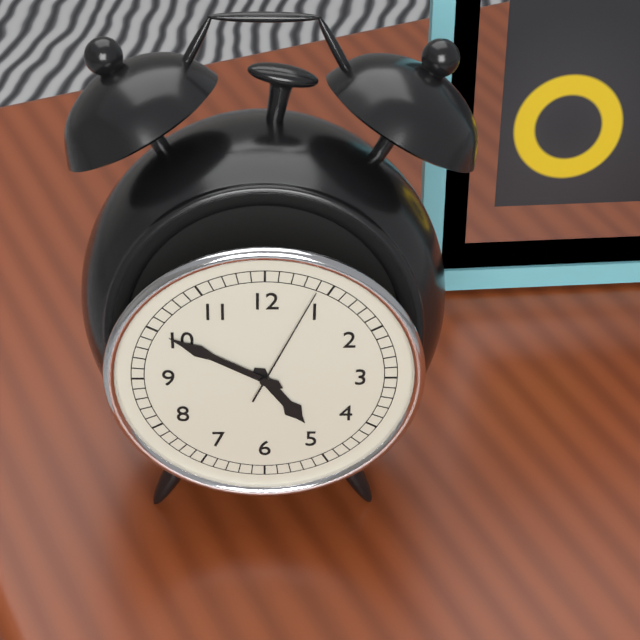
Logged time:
h=4 m=50 s=4
